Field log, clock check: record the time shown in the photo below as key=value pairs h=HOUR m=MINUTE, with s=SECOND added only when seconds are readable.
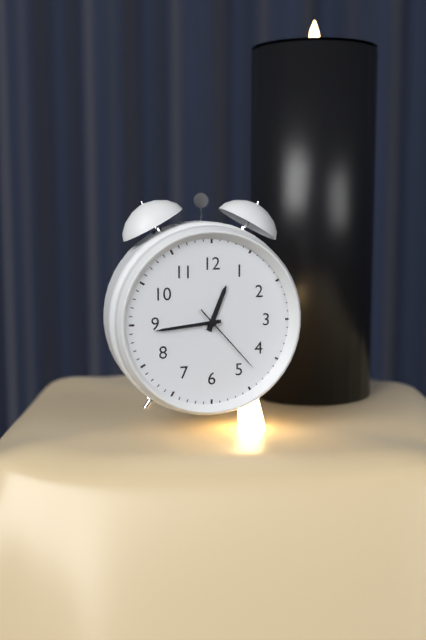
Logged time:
h=12 m=44 s=23
